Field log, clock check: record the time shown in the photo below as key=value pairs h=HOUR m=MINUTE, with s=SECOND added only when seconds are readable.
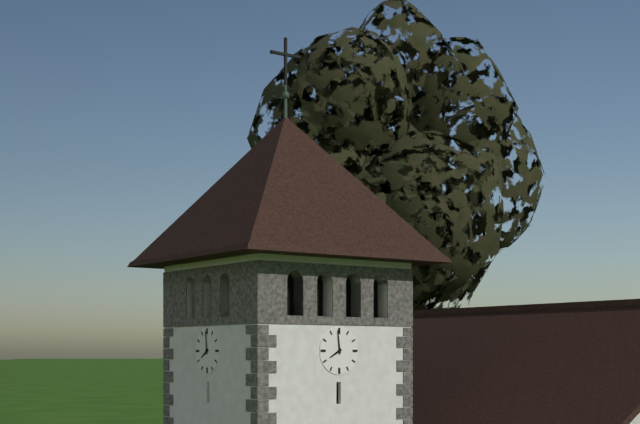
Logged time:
h=7 m=59
